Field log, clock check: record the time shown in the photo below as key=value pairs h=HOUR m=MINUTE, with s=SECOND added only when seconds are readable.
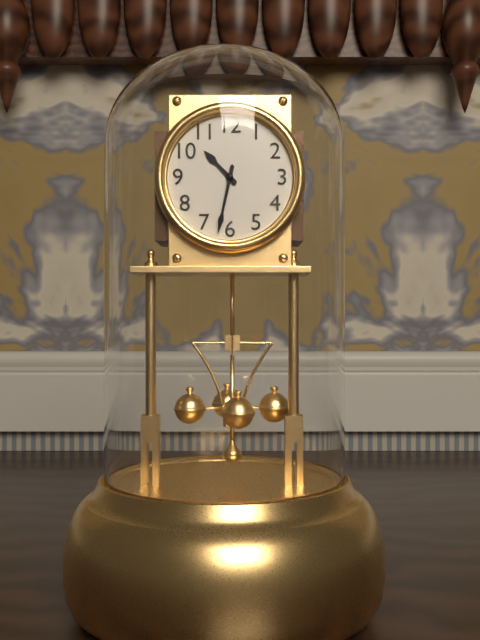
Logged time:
h=10 m=32
